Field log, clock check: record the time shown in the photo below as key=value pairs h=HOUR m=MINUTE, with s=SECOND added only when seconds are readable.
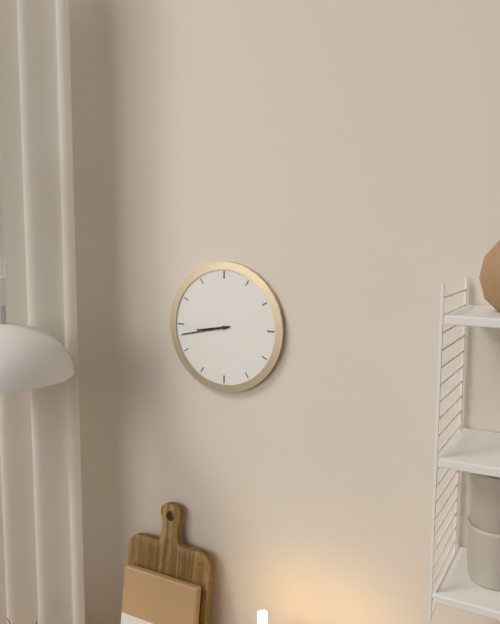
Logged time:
h=8 m=43
